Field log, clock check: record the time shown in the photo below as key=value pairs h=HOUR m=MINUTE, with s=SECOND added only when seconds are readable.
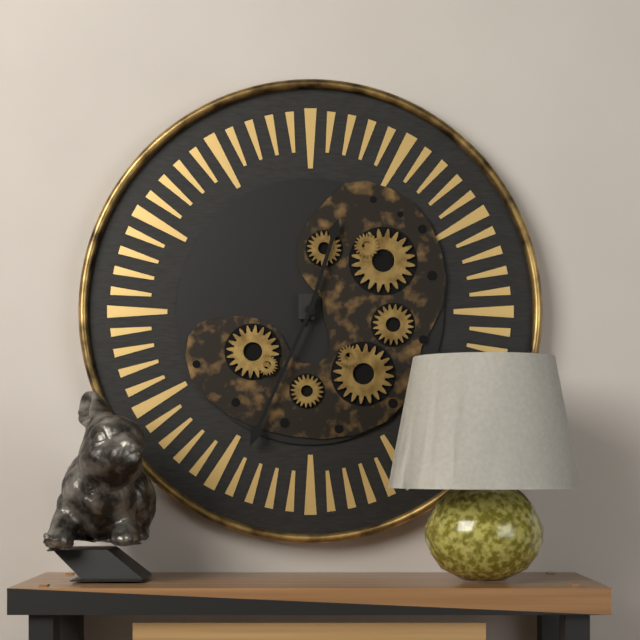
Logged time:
h=12 m=34
